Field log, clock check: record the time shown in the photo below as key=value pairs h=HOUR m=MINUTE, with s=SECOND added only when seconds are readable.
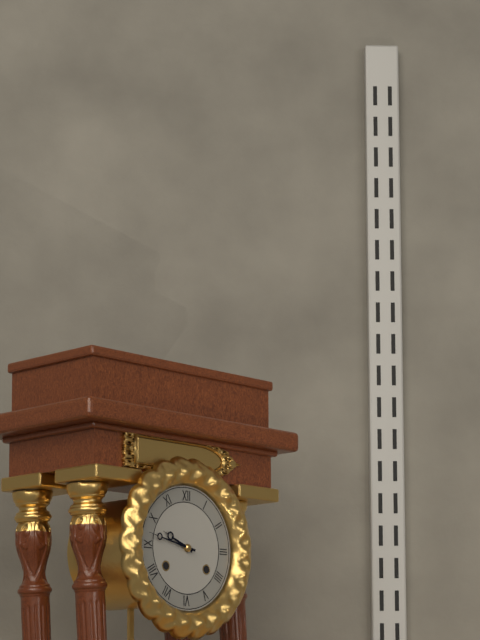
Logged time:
h=9 m=47
